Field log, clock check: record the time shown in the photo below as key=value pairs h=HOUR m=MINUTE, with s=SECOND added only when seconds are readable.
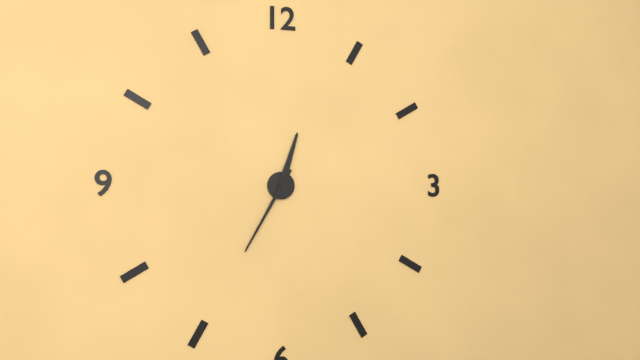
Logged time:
h=12 m=35
